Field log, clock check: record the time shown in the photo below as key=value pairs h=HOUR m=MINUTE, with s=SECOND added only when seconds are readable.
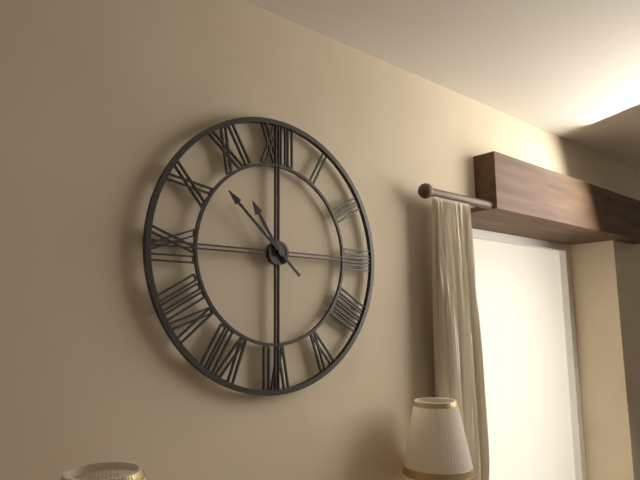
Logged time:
h=10 m=52
